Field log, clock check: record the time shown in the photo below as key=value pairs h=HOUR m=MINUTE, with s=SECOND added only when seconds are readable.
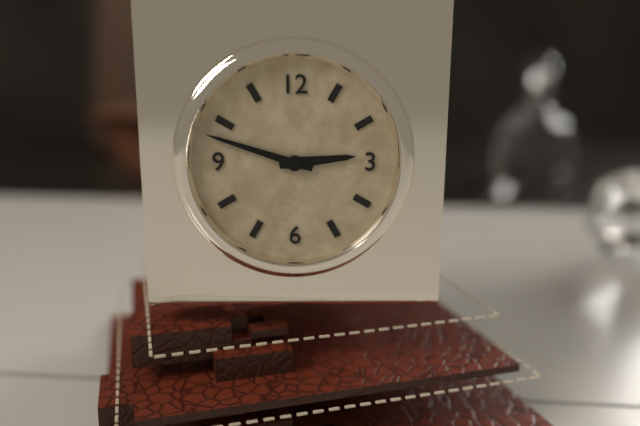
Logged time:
h=2 m=48
